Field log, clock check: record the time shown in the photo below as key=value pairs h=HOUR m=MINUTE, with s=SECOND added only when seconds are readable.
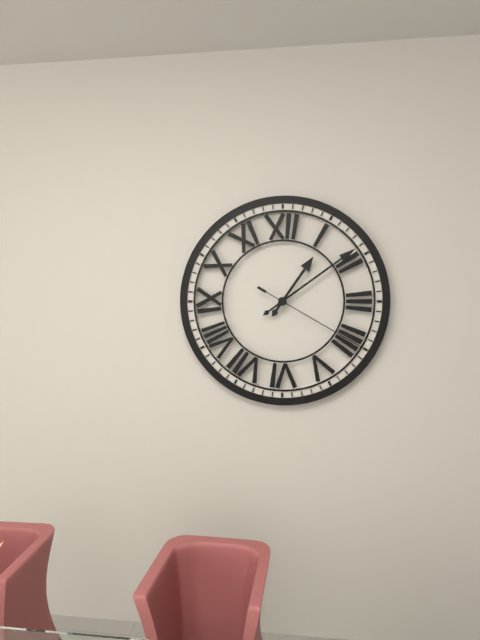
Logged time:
h=1 m=9 s=20
